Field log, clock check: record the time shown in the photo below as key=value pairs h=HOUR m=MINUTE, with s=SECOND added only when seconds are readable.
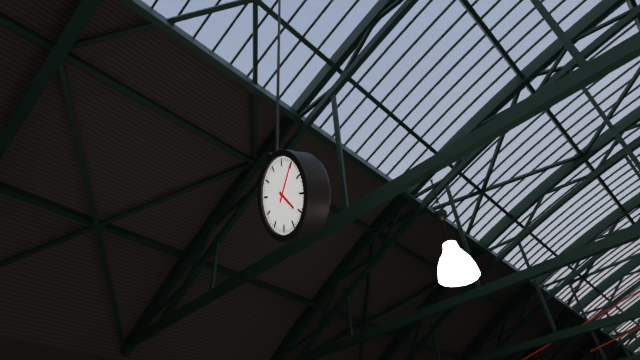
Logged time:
h=5 m=10
